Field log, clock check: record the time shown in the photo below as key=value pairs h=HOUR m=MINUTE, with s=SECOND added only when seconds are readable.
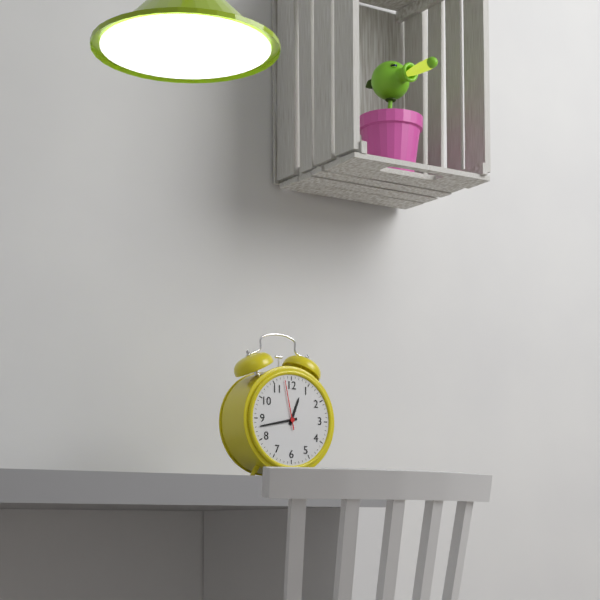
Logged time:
h=12 m=43 s=58
